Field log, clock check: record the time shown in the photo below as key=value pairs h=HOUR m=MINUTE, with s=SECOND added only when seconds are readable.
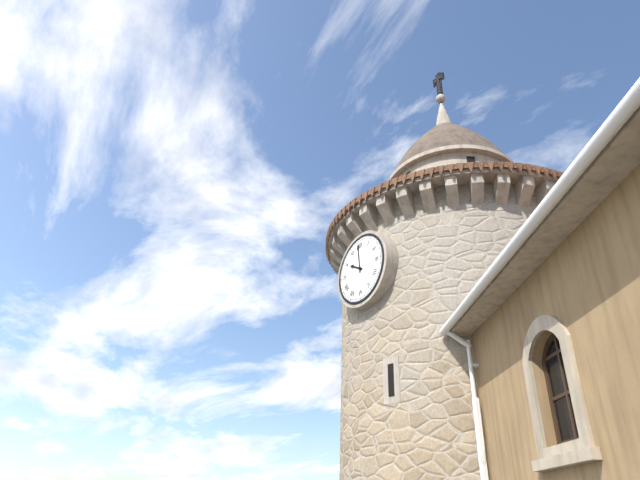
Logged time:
h=9 m=59
